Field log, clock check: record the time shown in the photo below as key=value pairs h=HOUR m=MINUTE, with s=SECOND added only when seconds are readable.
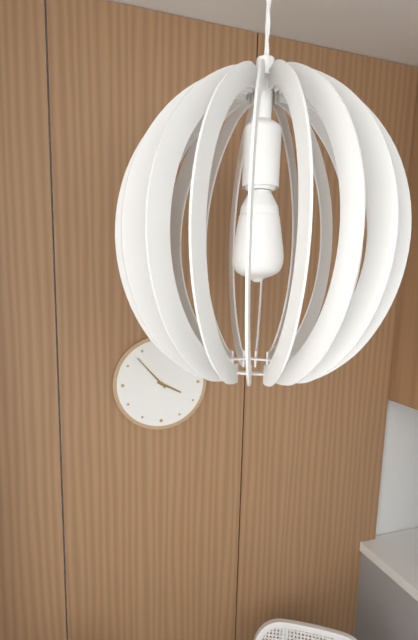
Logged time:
h=3 m=53
